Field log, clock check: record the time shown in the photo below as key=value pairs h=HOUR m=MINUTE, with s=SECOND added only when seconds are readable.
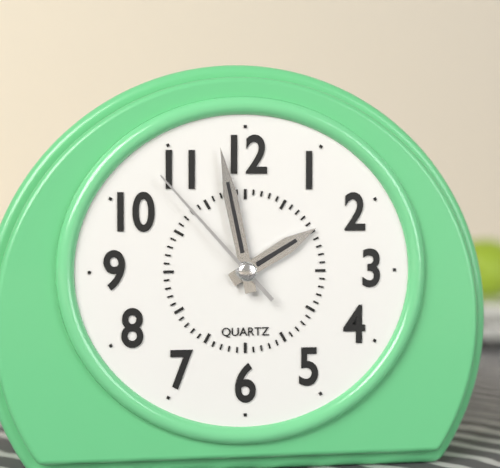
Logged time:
h=1 m=58 s=53
